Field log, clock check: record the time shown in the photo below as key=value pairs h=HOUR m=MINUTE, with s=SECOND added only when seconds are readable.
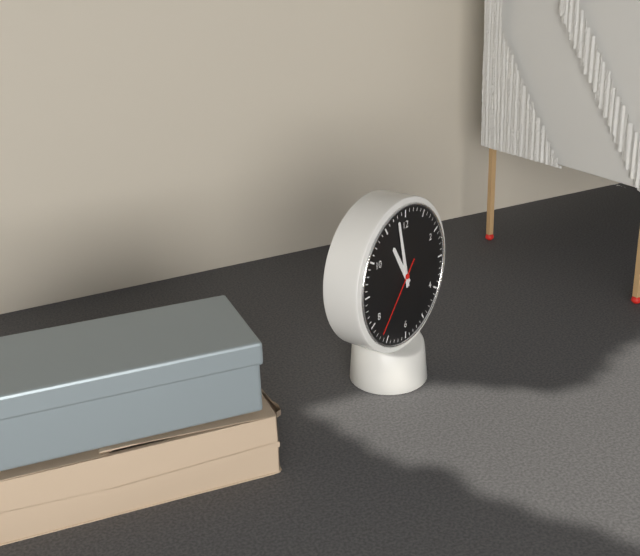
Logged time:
h=10 m=58 s=37
